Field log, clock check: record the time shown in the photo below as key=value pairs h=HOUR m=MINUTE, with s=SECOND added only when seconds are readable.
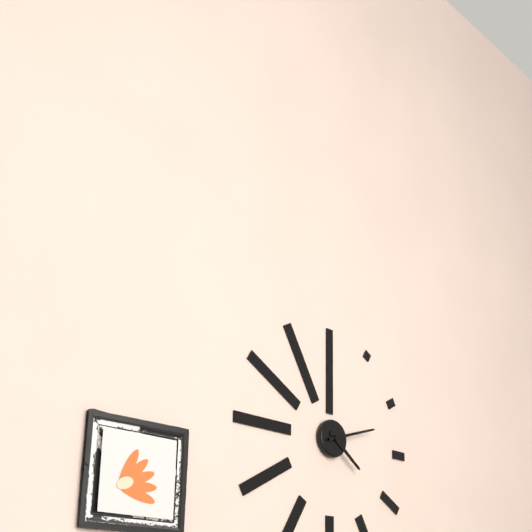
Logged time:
h=4 m=12
